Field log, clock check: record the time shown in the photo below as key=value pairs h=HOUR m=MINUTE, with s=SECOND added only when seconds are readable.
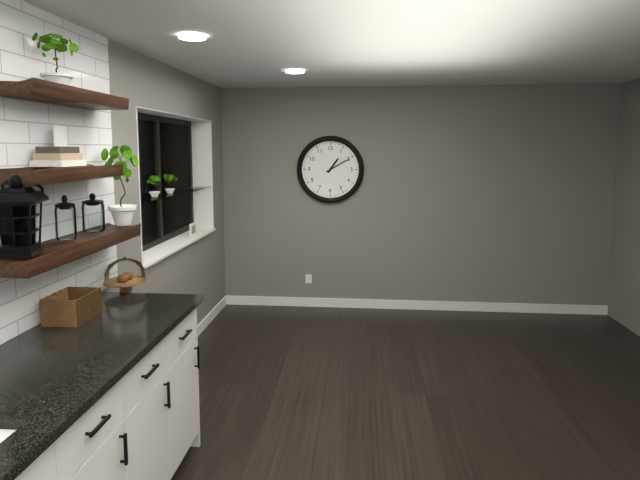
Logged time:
h=1 m=10
